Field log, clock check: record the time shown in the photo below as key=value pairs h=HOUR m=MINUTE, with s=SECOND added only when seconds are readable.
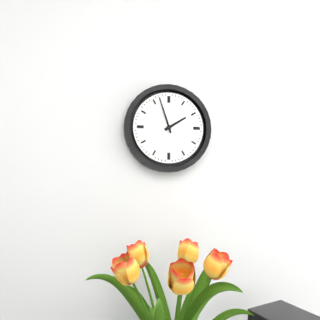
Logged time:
h=1 m=57
